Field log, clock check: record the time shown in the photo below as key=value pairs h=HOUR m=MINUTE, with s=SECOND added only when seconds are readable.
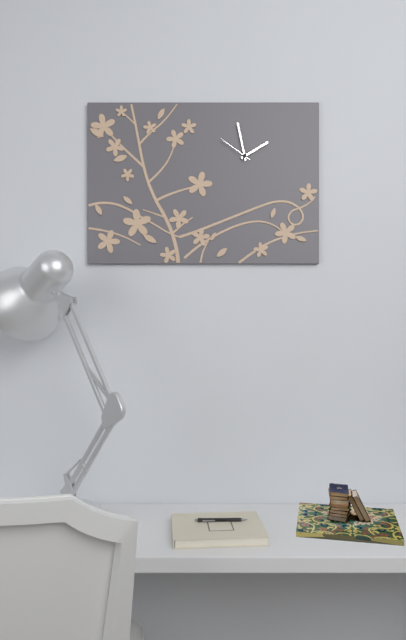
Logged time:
h=1 m=58
